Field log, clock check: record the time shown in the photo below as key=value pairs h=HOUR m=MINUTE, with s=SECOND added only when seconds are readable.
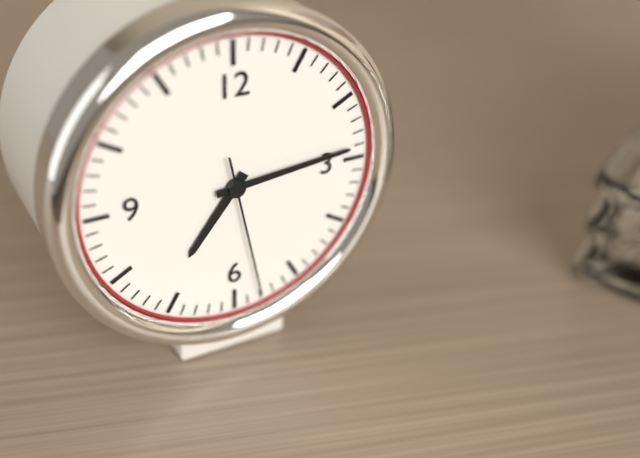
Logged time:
h=7 m=14 s=28
